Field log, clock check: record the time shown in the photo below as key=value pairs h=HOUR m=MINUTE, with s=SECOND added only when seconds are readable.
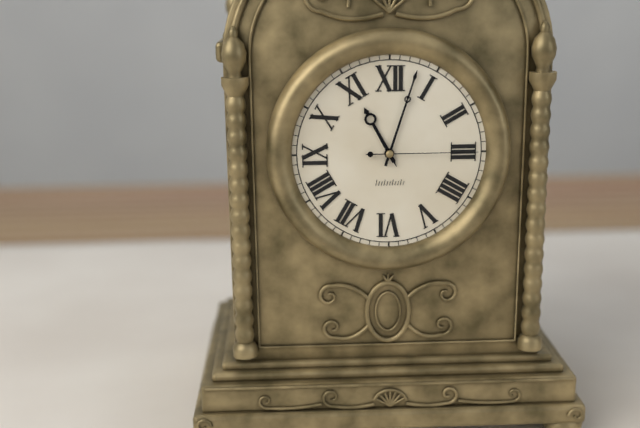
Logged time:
h=11 m=3 s=15
